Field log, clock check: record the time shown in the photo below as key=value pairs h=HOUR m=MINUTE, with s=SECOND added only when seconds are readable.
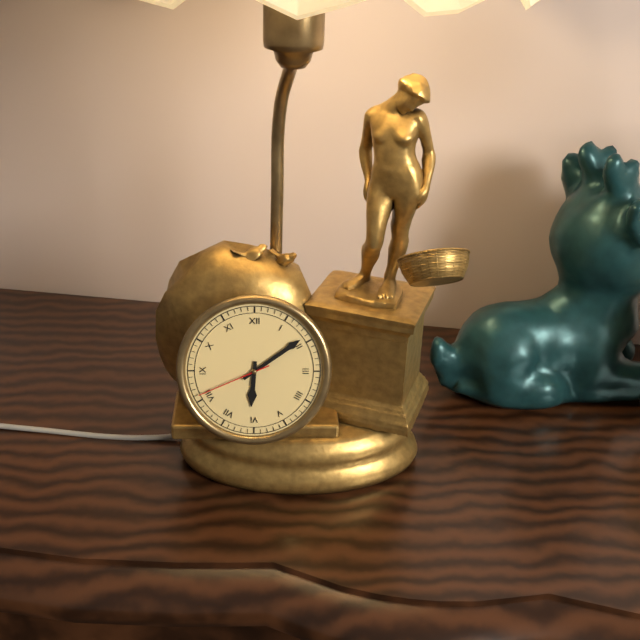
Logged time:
h=6 m=9 s=41
